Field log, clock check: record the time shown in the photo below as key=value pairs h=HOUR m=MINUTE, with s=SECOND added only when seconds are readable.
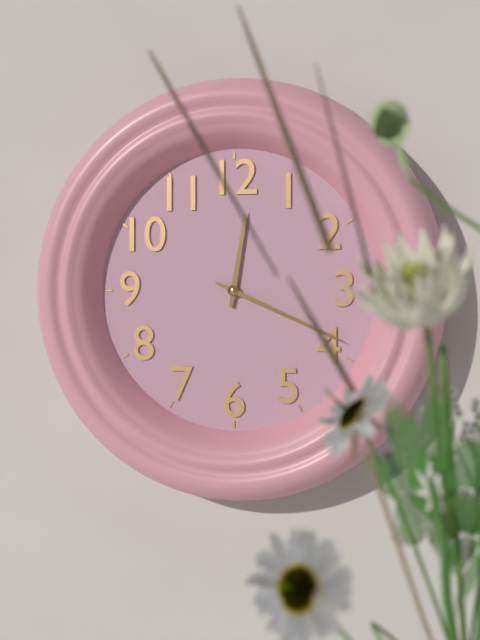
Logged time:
h=12 m=19
